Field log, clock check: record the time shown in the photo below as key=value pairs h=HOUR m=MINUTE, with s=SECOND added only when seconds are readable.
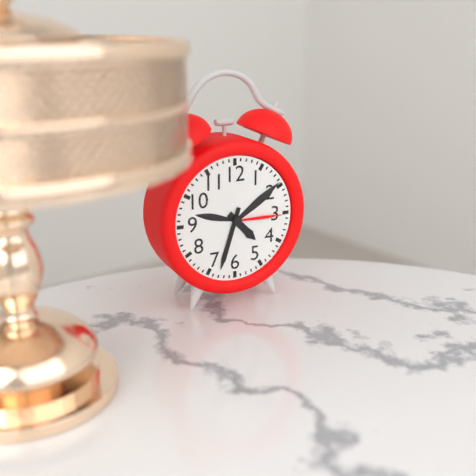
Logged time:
h=4 m=33
